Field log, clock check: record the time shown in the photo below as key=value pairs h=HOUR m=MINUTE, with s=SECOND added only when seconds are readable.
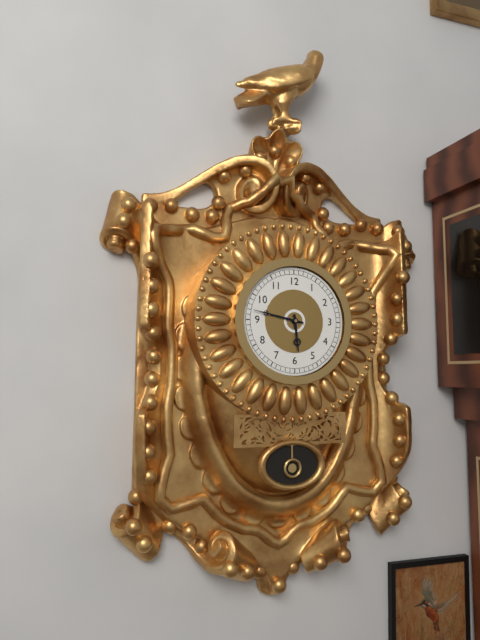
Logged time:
h=5 m=47
